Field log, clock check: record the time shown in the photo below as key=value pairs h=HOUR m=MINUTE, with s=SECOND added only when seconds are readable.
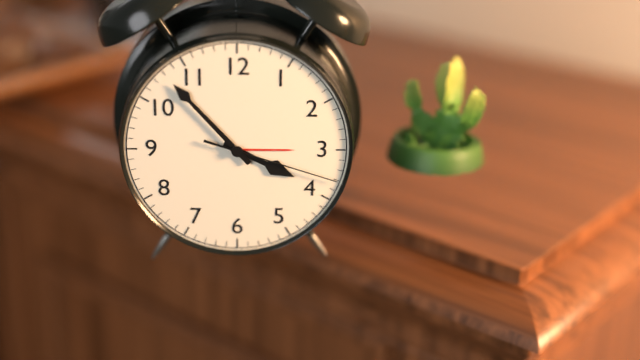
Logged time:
h=3 m=53 s=18
